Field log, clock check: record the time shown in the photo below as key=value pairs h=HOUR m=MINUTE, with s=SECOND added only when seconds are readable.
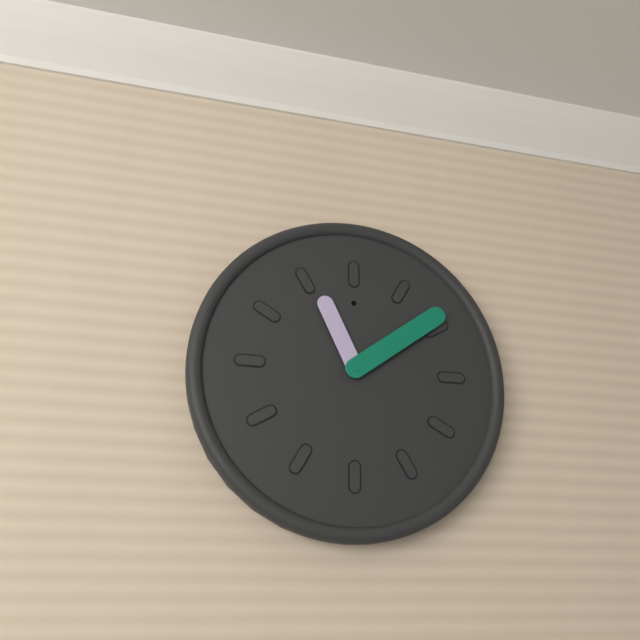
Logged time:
h=11 m=9
